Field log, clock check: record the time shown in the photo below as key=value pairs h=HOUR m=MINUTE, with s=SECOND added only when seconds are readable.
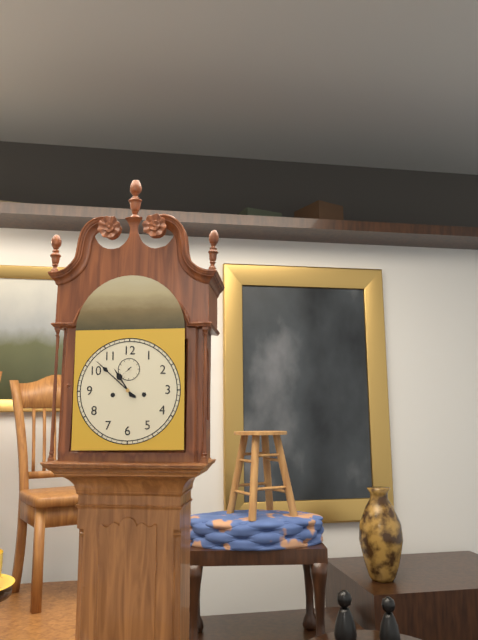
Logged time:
h=10 m=52
